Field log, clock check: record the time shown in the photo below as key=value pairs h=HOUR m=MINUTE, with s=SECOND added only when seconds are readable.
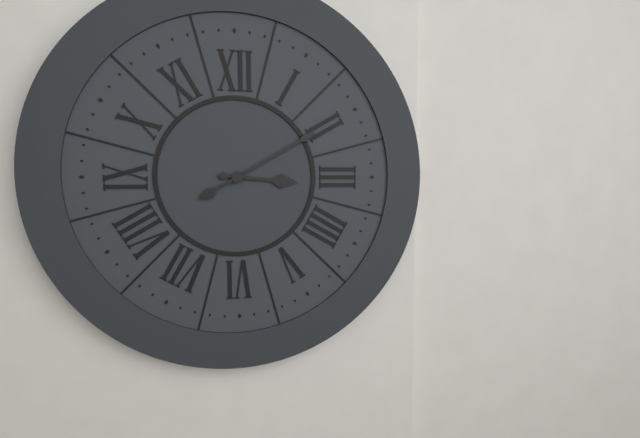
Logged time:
h=3 m=10
